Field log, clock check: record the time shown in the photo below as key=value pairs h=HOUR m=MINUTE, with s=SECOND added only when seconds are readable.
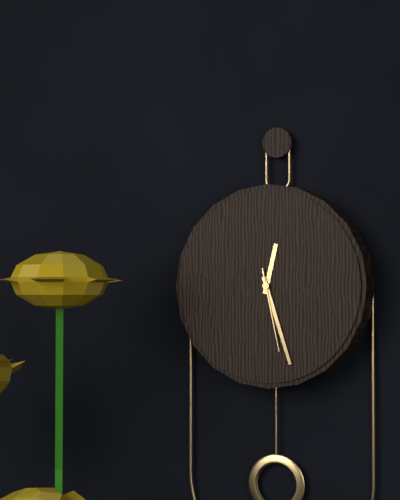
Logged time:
h=12 m=27 s=28
